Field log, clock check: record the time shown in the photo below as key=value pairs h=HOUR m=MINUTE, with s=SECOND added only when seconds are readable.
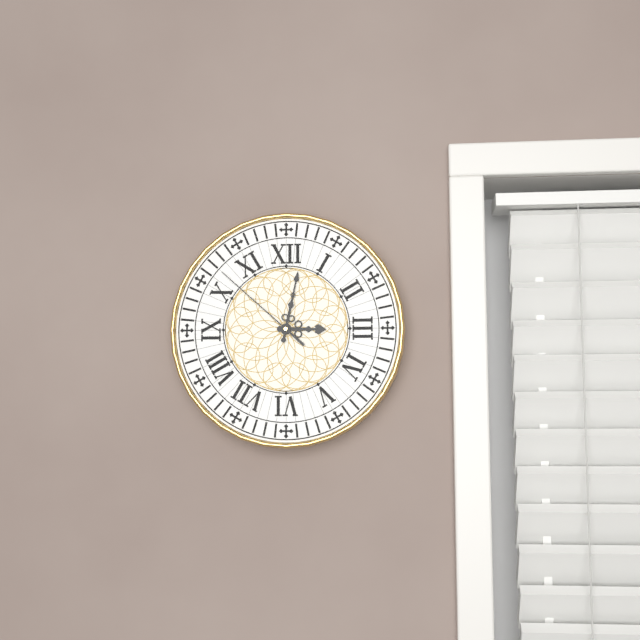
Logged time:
h=3 m=2 s=52
